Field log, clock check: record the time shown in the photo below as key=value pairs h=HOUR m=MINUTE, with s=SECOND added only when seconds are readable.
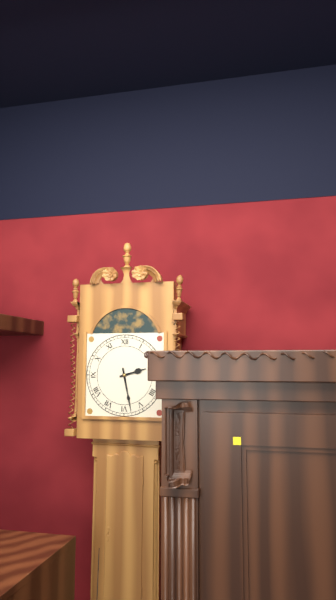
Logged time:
h=2 m=28
